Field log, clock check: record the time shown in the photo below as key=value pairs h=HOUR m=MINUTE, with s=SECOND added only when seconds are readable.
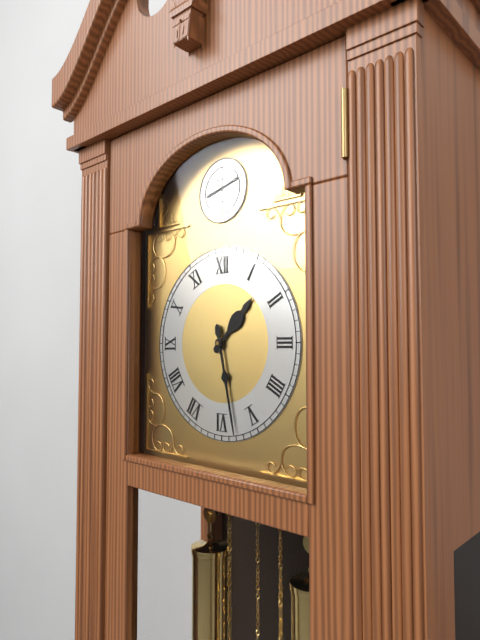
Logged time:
h=1 m=28
